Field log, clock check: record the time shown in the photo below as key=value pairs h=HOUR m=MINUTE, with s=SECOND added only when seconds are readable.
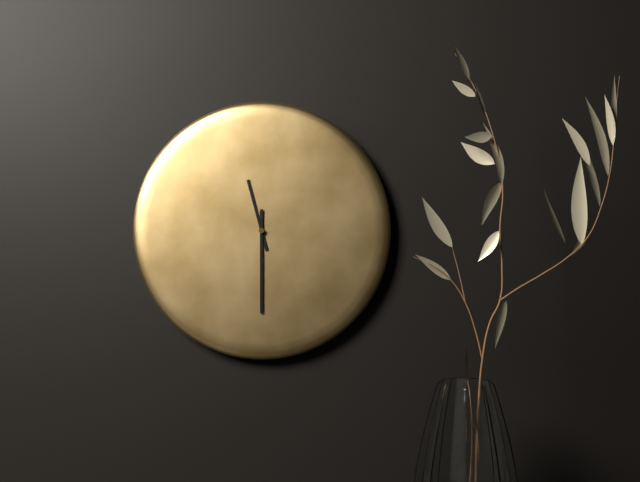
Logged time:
h=11 m=30
